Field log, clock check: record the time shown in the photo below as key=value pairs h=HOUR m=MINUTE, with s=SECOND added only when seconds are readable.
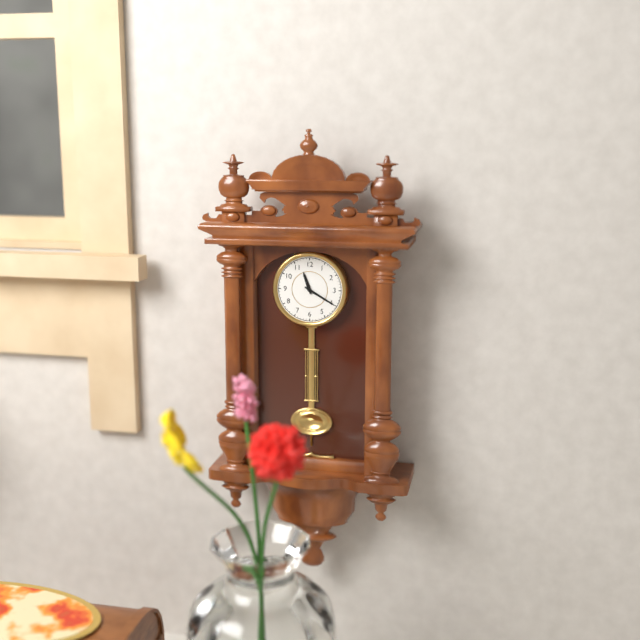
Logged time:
h=11 m=20
